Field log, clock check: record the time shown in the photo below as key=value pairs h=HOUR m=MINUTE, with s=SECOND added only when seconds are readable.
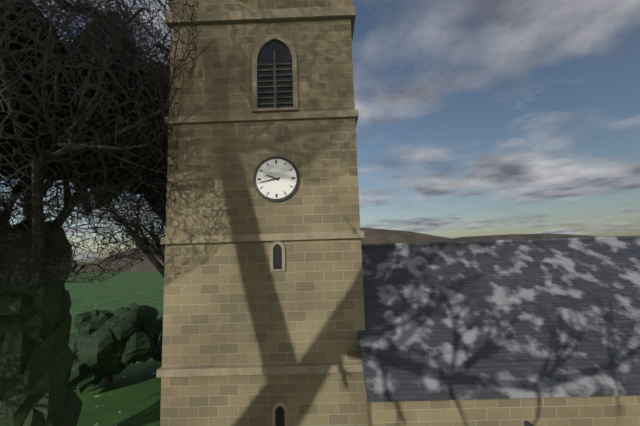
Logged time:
h=9 m=43
